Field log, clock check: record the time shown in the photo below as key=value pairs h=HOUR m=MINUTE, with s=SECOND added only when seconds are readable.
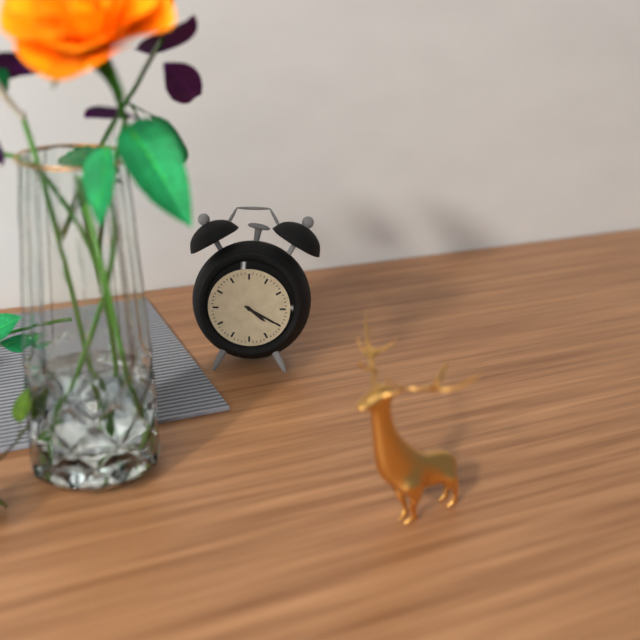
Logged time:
h=4 m=20
